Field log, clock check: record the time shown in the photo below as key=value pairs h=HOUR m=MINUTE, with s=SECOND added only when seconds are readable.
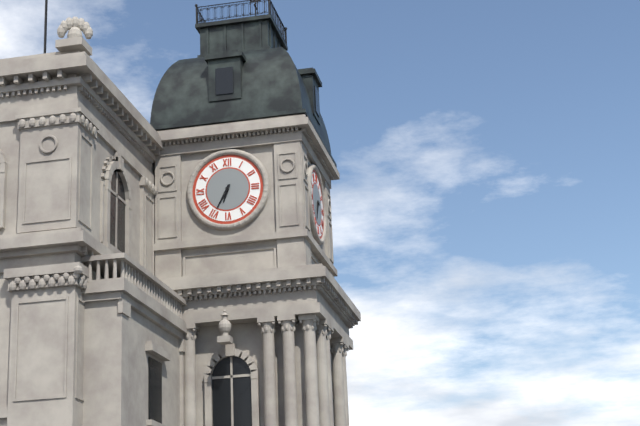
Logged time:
h=6 m=35
